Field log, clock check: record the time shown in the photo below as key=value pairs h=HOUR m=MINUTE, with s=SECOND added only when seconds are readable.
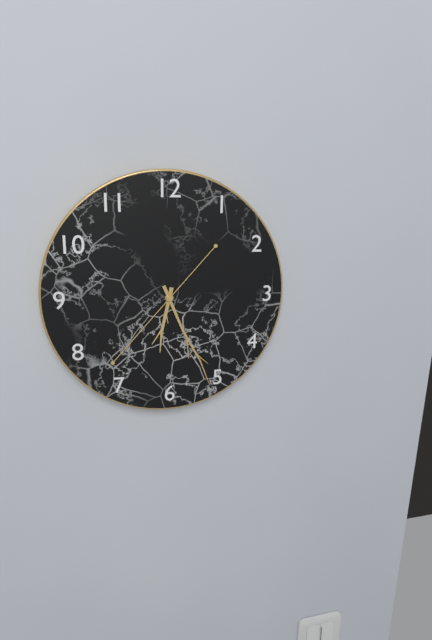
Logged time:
h=6 m=26 s=37
